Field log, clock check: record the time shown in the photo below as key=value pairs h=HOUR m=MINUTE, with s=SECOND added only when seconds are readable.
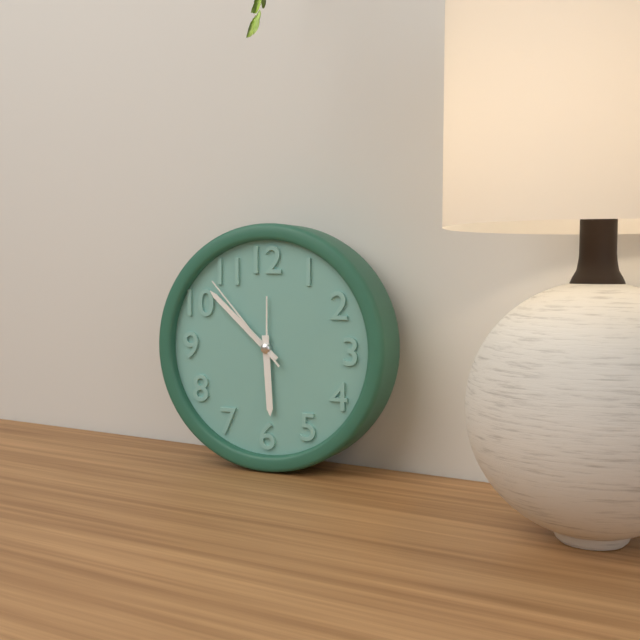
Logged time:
h=5 m=52 s=53
